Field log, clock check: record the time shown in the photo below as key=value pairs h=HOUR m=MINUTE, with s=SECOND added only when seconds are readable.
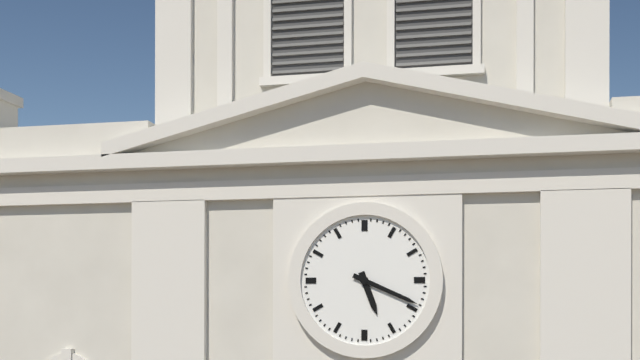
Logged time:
h=5 m=19
